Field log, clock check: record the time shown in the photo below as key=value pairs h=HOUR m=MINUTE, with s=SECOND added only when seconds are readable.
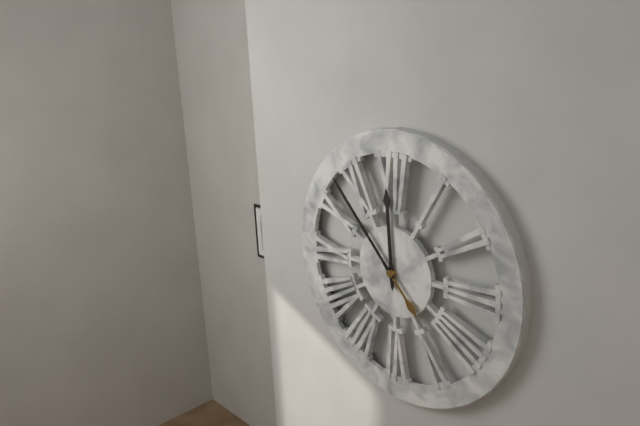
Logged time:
h=11 m=53
